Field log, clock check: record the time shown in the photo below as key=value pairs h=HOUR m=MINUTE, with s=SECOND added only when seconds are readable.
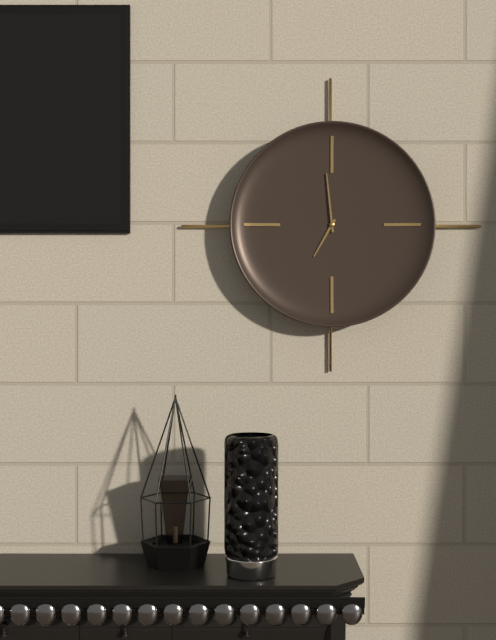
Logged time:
h=6 m=59
